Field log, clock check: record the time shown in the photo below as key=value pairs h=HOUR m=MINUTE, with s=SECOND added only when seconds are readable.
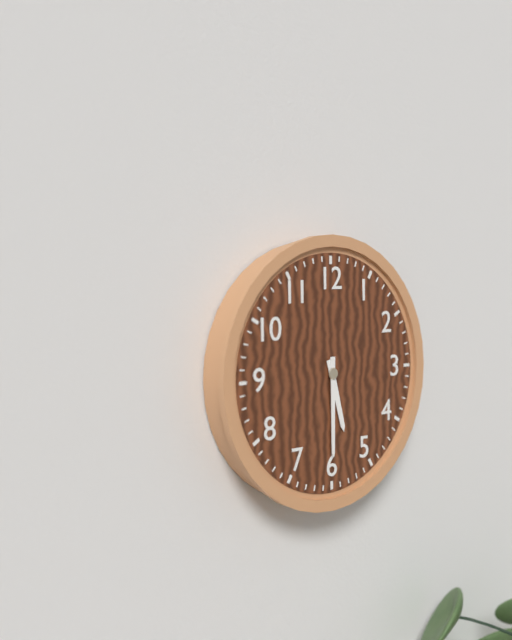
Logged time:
h=5 m=30
